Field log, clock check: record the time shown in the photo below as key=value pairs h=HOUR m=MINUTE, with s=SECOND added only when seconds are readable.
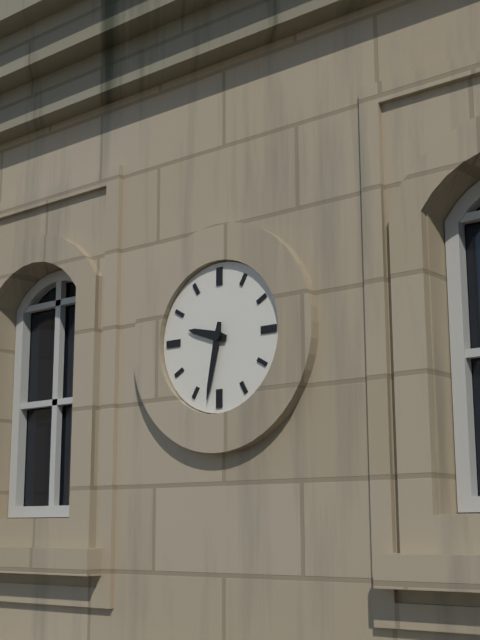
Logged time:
h=9 m=32
